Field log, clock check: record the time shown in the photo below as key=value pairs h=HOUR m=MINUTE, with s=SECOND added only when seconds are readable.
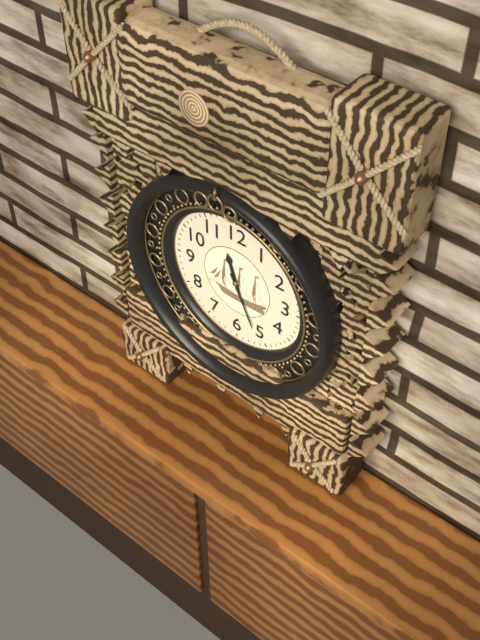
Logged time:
h=11 m=26
